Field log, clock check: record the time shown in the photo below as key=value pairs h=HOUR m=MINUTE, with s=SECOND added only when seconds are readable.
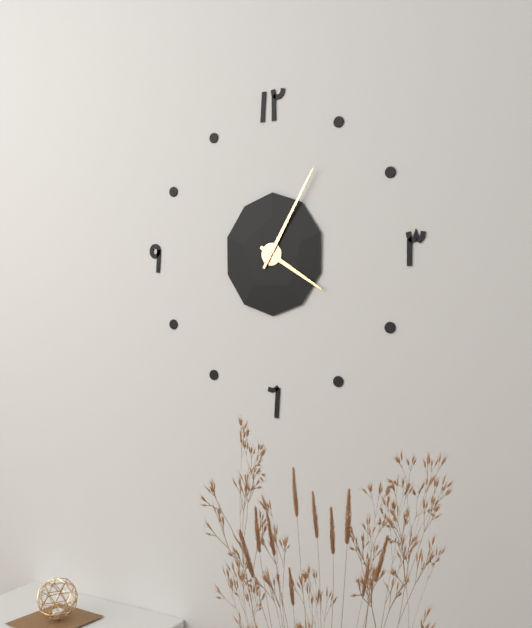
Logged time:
h=4 m=5
